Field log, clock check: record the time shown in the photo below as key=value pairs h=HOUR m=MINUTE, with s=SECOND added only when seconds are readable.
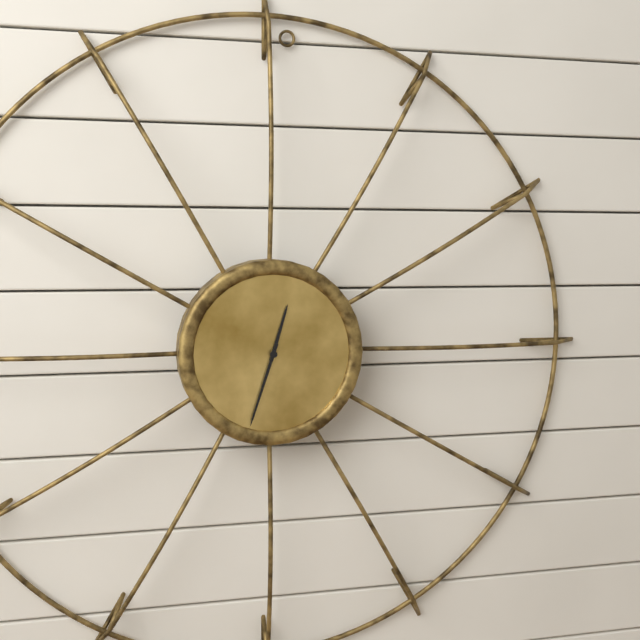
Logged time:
h=12 m=33
